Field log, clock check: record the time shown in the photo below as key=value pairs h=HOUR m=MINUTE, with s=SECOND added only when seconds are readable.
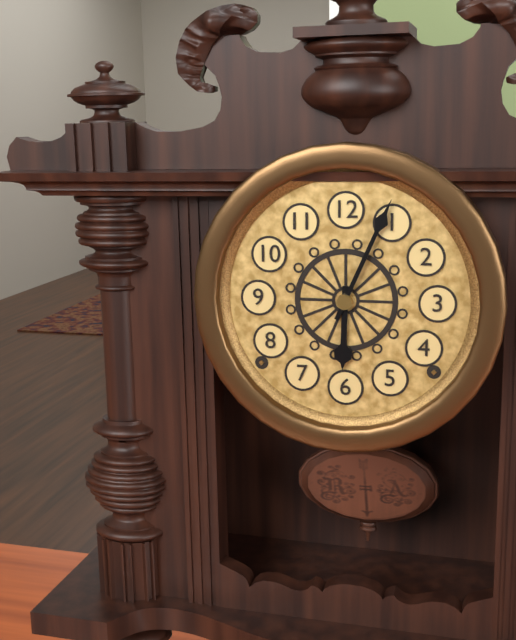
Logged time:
h=6 m=4
